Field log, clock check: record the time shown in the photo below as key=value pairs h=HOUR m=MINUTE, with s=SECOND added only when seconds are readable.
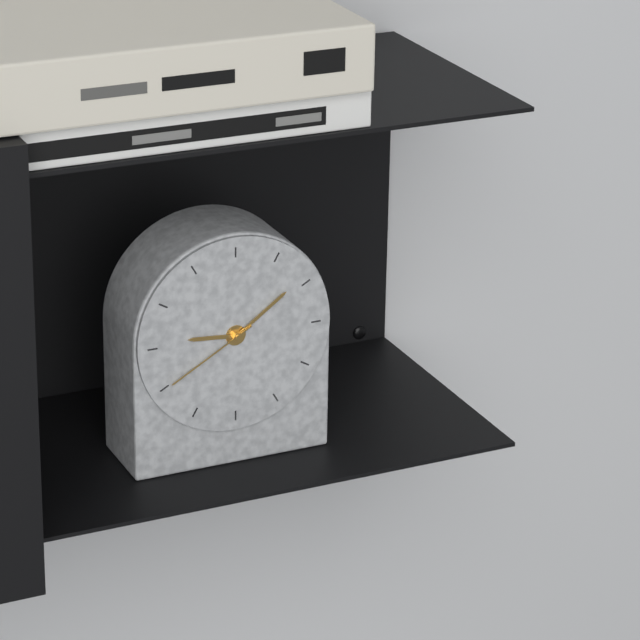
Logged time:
h=9 m=9 s=40
